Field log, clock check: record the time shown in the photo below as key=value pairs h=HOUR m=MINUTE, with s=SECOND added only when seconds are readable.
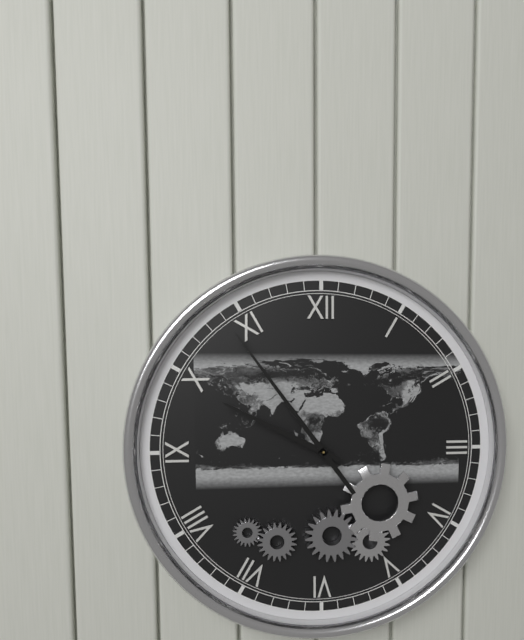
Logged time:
h=9 m=54
